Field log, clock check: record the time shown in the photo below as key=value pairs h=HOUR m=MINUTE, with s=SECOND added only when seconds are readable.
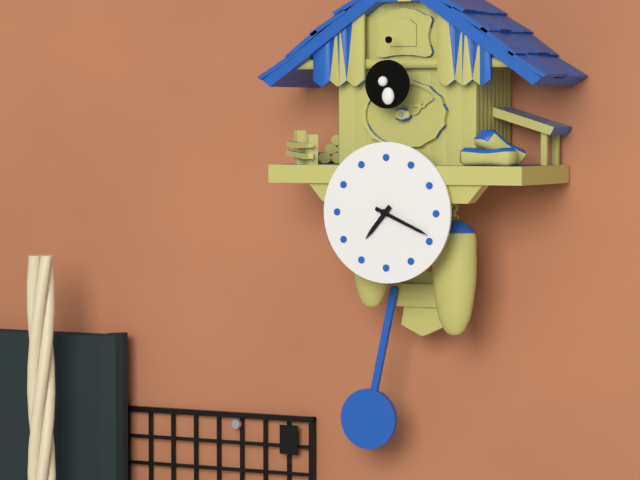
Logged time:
h=7 m=19
